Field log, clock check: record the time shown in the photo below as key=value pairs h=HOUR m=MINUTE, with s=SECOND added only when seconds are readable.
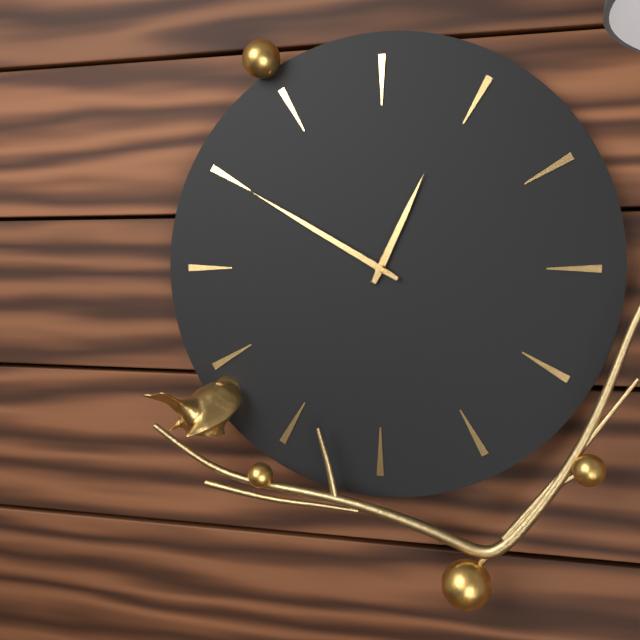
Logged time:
h=12 m=50
